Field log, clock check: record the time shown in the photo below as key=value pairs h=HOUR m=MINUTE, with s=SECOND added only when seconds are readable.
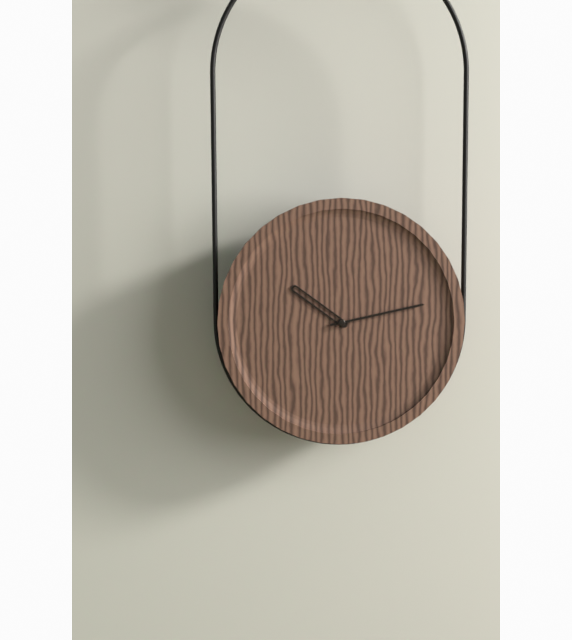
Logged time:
h=10 m=13
